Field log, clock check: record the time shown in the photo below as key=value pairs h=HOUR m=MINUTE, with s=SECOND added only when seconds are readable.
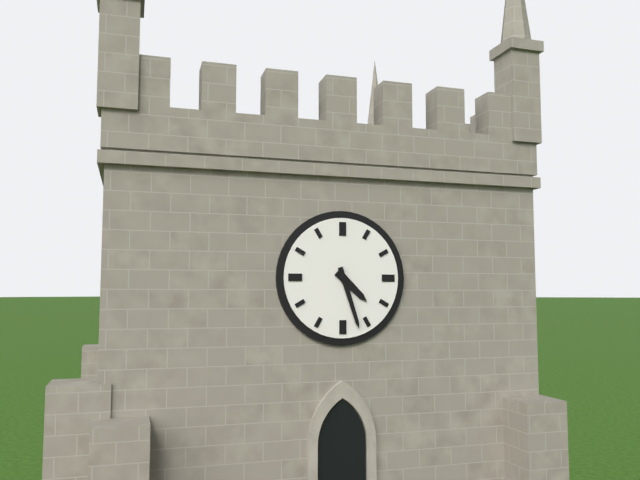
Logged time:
h=4 m=27
